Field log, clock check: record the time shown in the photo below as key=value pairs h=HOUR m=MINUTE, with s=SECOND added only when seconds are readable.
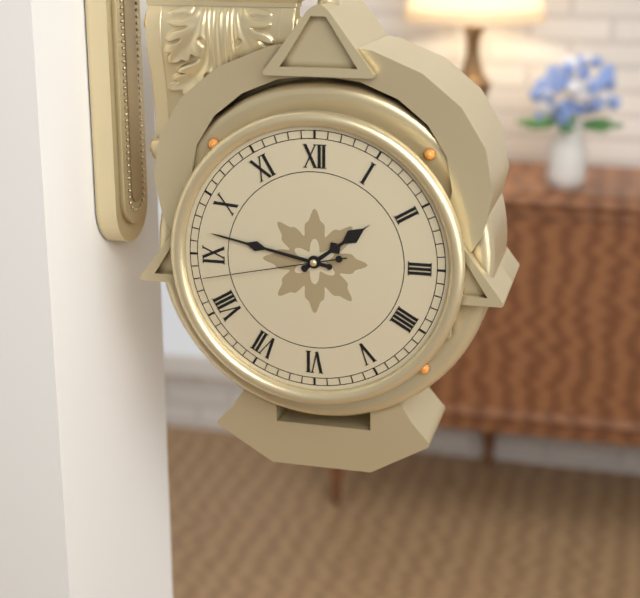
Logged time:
h=1 m=47 s=43
